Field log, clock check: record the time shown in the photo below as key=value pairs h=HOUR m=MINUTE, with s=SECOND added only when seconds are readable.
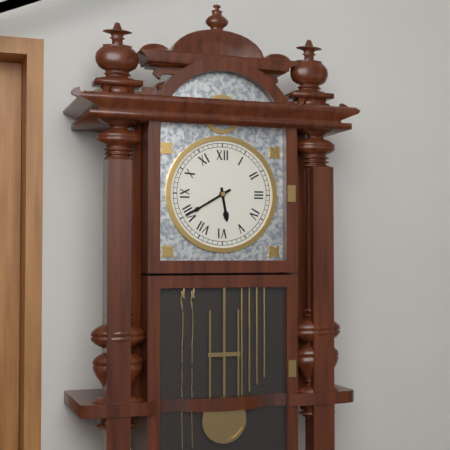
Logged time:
h=5 m=40
